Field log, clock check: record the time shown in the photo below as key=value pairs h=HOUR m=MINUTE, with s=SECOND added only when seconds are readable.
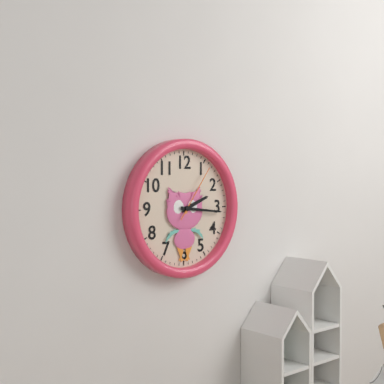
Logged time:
h=2 m=16 s=6
